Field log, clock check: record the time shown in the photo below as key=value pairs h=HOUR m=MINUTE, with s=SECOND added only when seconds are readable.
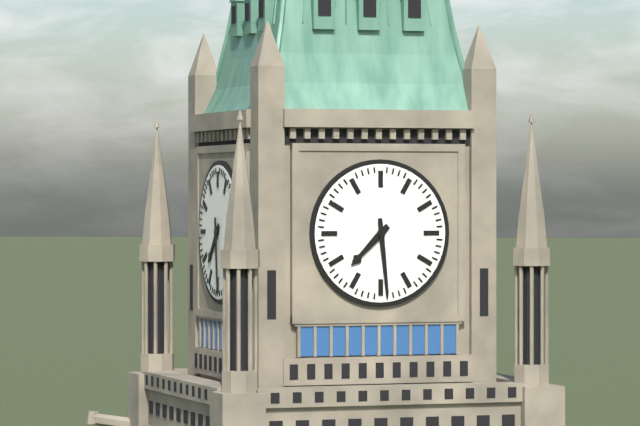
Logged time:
h=7 m=29
